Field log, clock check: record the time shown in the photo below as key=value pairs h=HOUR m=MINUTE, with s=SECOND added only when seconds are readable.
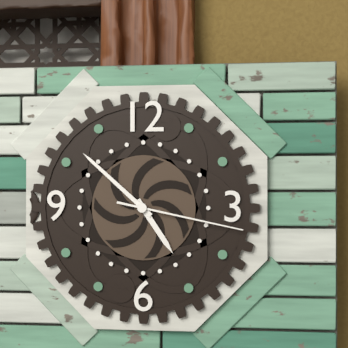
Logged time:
h=4 m=52 s=17
